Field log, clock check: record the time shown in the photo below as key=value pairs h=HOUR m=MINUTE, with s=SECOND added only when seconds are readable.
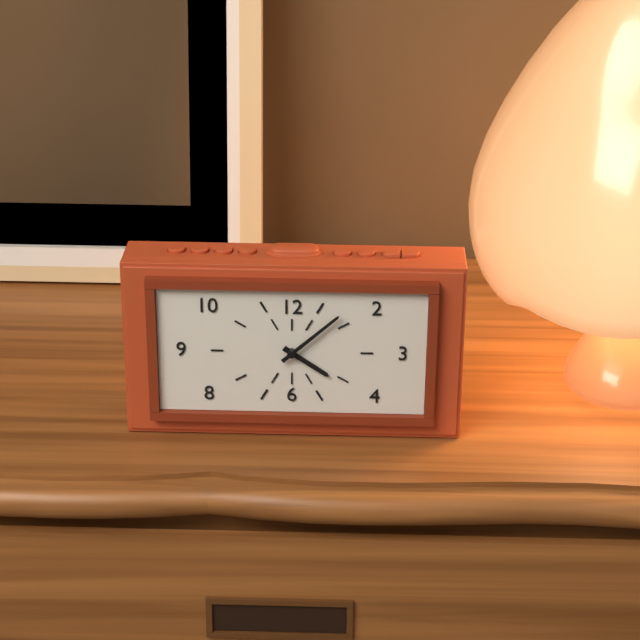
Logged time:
h=4 m=8
